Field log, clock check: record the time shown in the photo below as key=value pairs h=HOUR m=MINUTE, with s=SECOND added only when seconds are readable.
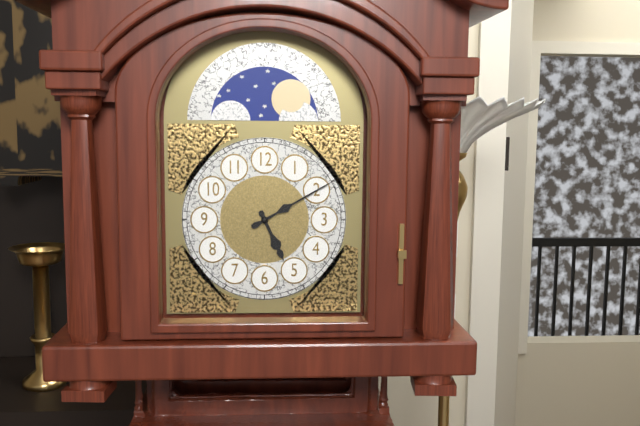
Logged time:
h=5 m=10
